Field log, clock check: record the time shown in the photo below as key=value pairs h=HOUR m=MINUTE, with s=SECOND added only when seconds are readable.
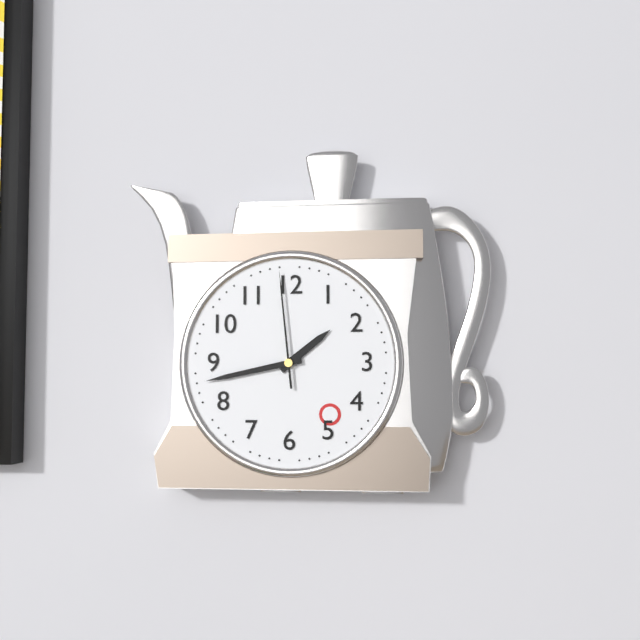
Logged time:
h=1 m=43 s=59
